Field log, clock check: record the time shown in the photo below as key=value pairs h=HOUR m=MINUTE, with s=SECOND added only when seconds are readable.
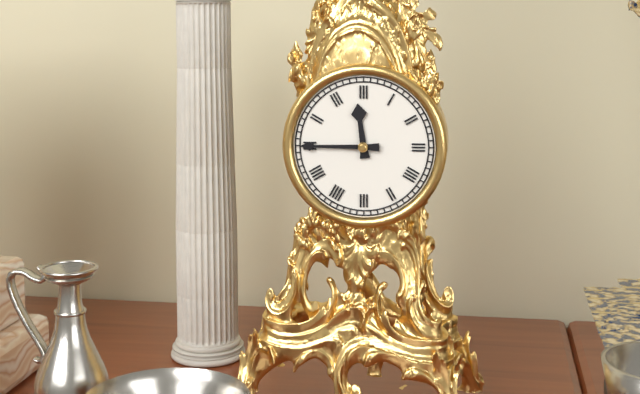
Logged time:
h=11 m=45
